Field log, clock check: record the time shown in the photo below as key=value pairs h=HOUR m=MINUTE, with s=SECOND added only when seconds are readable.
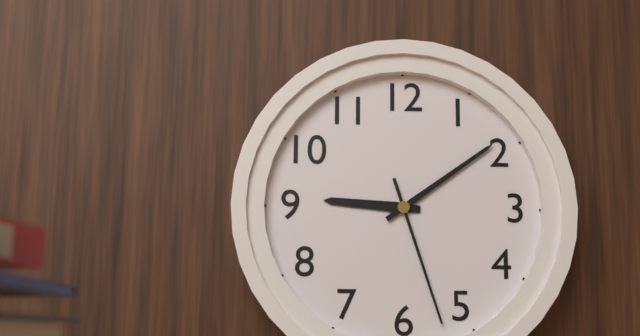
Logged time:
h=9 m=9 s=27
